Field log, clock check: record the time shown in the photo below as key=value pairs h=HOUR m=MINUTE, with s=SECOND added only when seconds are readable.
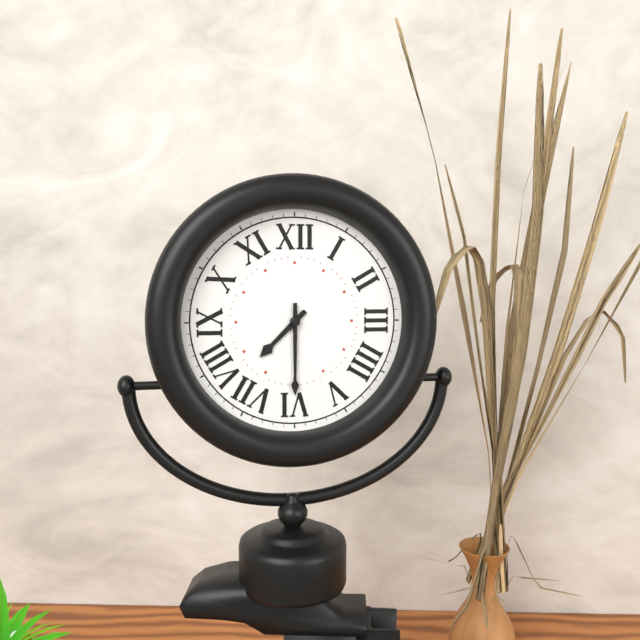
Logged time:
h=7 m=30
